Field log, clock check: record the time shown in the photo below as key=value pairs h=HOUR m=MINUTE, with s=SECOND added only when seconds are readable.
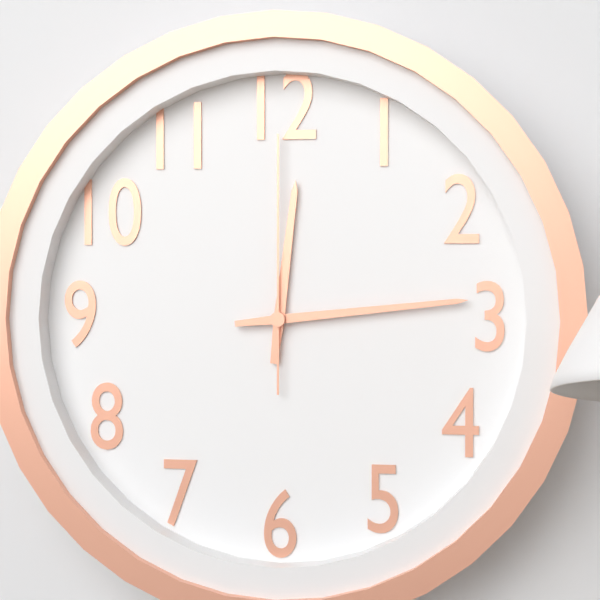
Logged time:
h=12 m=14 s=0
